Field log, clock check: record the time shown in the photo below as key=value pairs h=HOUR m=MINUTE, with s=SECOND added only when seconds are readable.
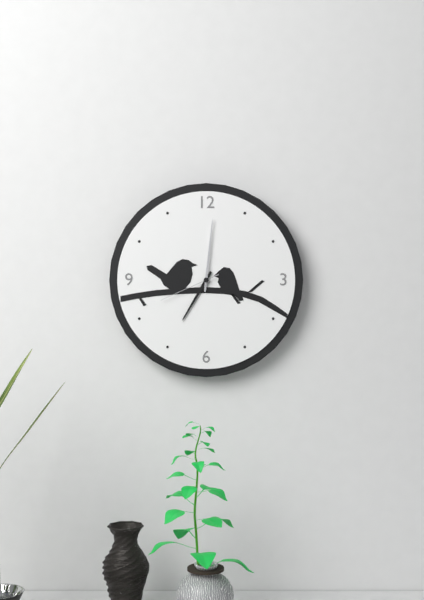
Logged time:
h=7 m=1 s=41
